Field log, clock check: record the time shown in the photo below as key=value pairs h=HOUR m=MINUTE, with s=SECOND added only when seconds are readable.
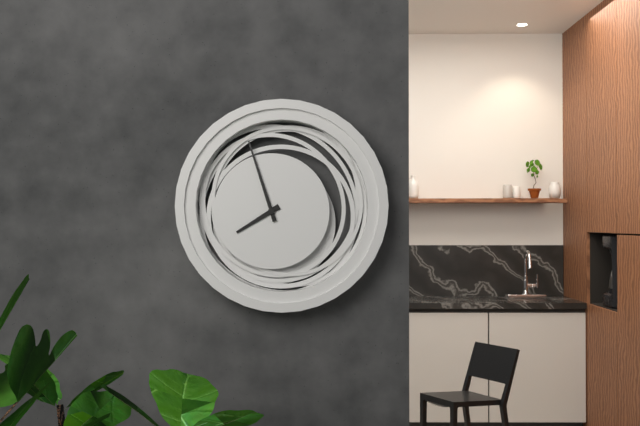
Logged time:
h=7 m=57
